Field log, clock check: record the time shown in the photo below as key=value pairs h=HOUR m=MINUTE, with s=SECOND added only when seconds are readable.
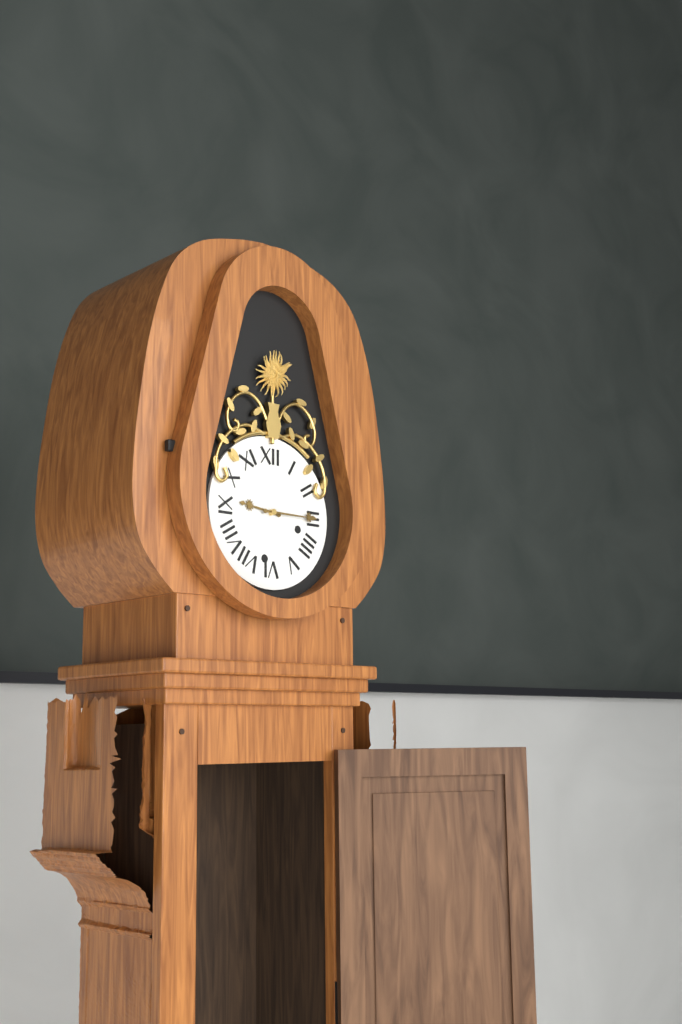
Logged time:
h=9 m=15
